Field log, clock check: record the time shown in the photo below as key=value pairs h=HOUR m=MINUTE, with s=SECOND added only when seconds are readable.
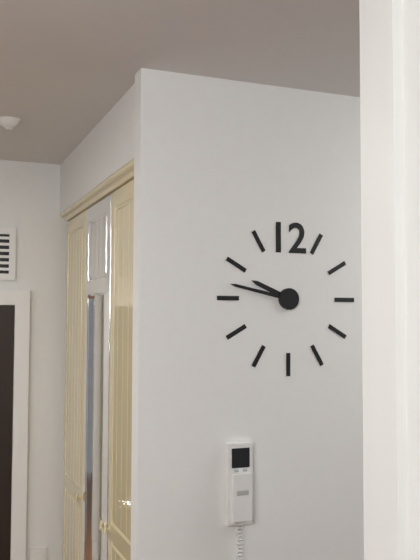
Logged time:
h=9 m=47
